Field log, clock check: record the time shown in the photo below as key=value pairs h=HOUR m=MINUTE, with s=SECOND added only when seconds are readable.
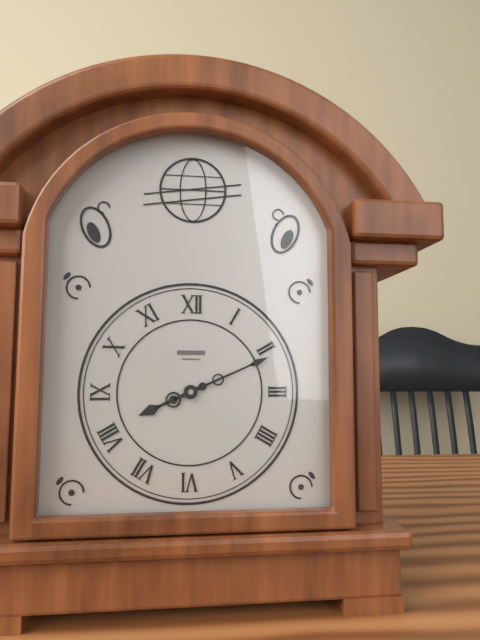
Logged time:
h=8 m=11
